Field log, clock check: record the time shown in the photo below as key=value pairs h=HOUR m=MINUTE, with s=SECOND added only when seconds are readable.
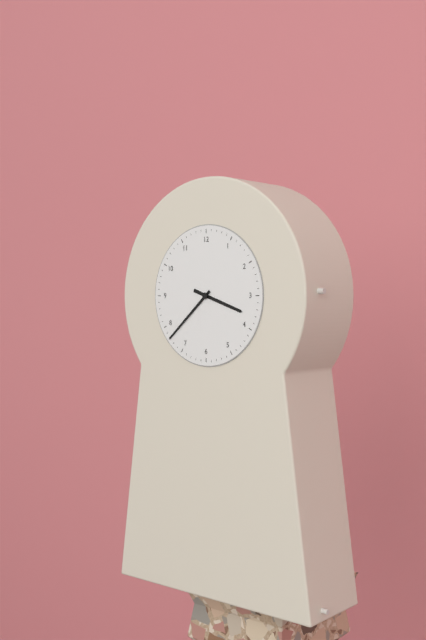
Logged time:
h=3 m=38
